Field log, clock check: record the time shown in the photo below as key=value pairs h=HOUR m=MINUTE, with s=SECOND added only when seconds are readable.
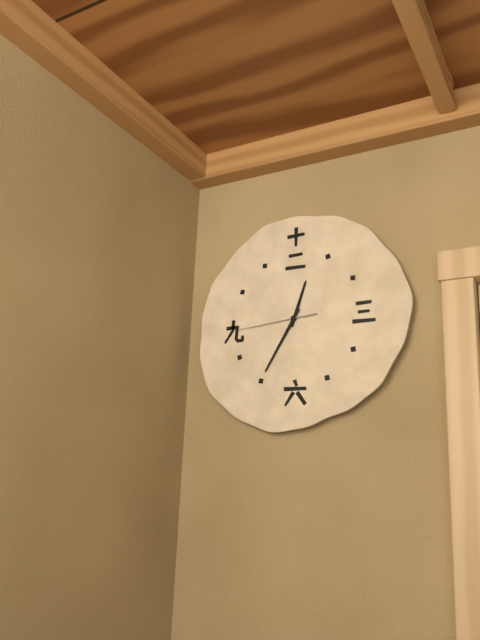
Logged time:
h=12 m=35 s=44
